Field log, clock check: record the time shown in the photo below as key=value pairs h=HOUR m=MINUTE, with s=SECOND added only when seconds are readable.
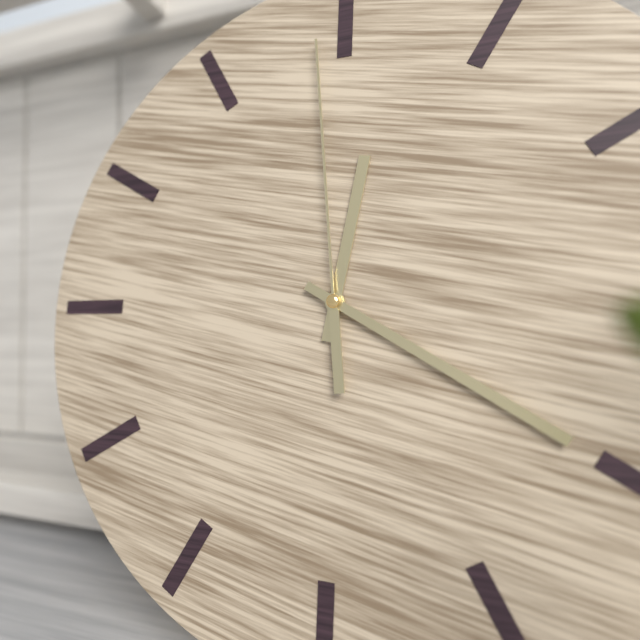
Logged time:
h=12 m=20 s=59
